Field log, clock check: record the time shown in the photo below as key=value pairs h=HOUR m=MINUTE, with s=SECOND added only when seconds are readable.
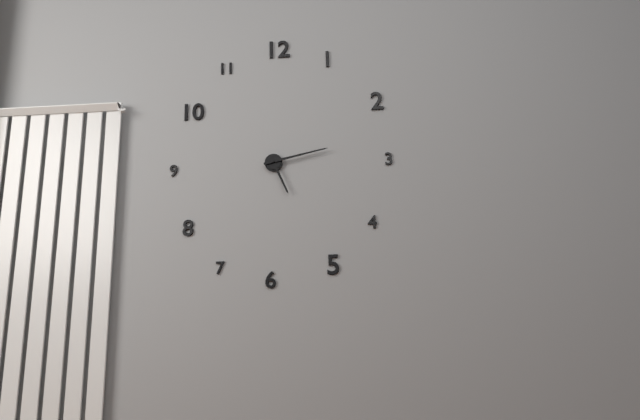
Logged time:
h=5 m=13
